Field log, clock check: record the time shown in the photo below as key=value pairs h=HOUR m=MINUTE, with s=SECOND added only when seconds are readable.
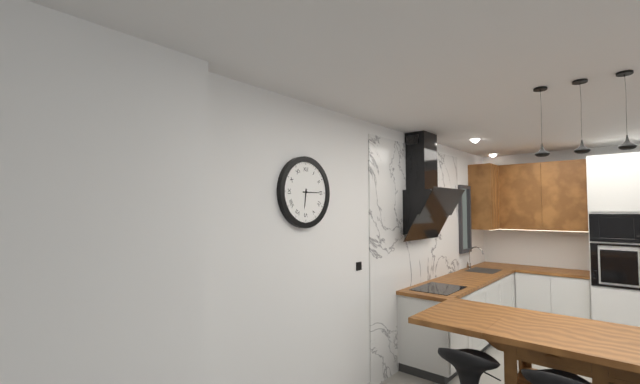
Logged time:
h=6 m=15
